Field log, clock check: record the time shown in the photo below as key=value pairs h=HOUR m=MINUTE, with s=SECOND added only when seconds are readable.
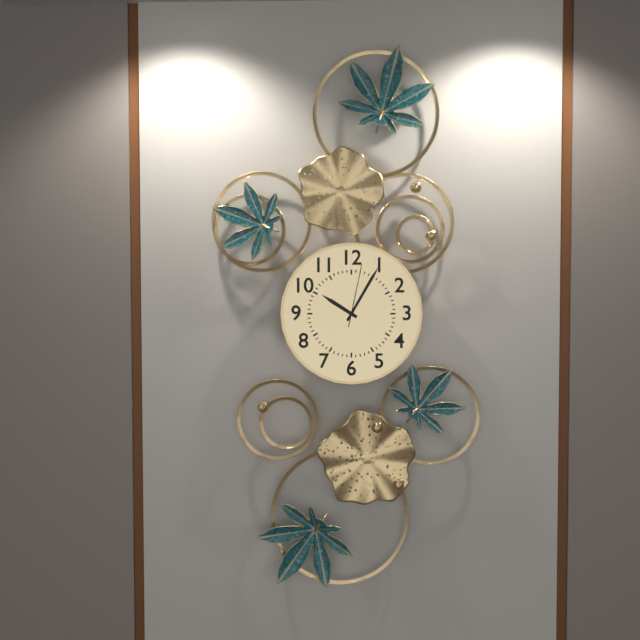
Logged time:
h=10 m=5 s=2
